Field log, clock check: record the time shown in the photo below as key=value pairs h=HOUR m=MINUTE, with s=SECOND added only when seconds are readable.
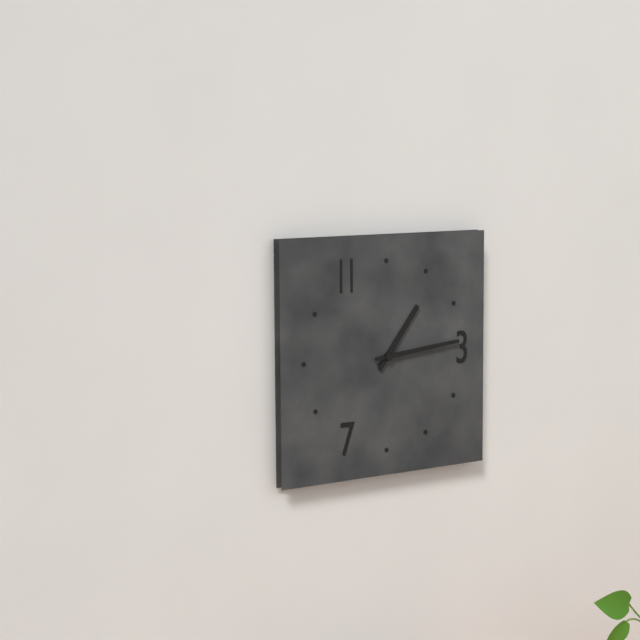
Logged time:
h=1 m=14
